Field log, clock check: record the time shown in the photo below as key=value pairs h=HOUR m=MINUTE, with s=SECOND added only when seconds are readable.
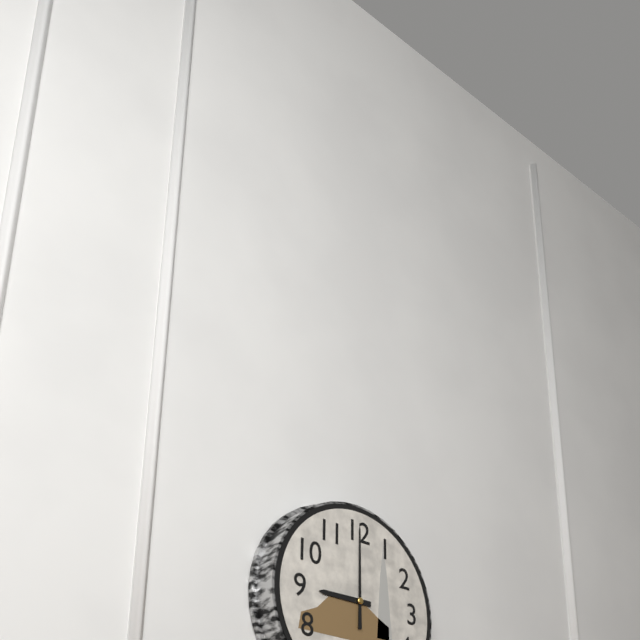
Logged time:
h=9 m=0
